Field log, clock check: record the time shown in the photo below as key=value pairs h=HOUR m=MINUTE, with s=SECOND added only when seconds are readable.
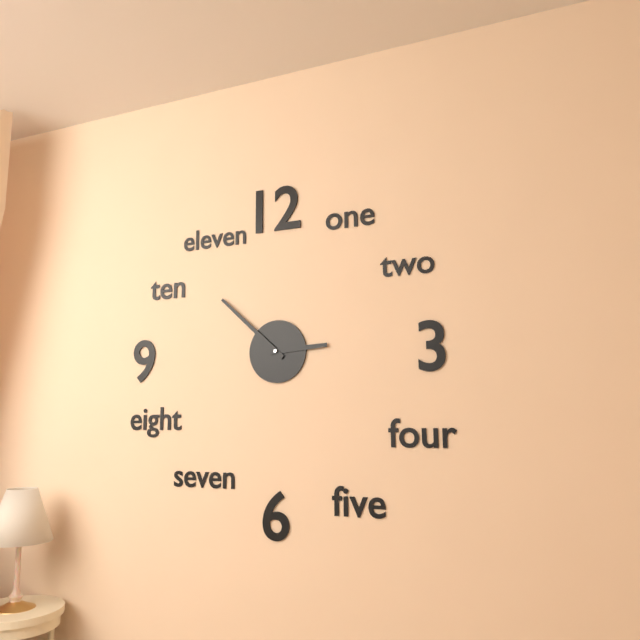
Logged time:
h=2 m=52
